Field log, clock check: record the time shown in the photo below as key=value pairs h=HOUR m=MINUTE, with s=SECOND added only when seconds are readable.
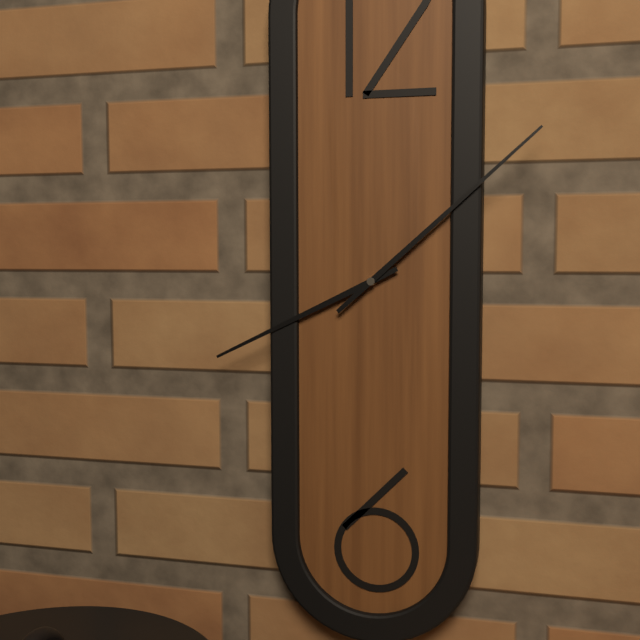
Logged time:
h=8 m=8
